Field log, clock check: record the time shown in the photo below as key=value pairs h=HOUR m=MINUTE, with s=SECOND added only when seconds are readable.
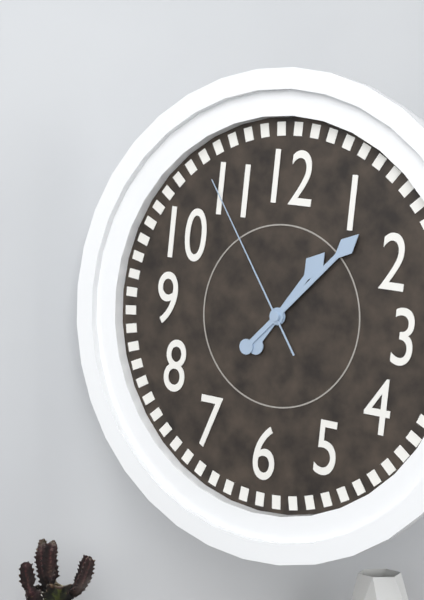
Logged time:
h=1 m=7 s=54
